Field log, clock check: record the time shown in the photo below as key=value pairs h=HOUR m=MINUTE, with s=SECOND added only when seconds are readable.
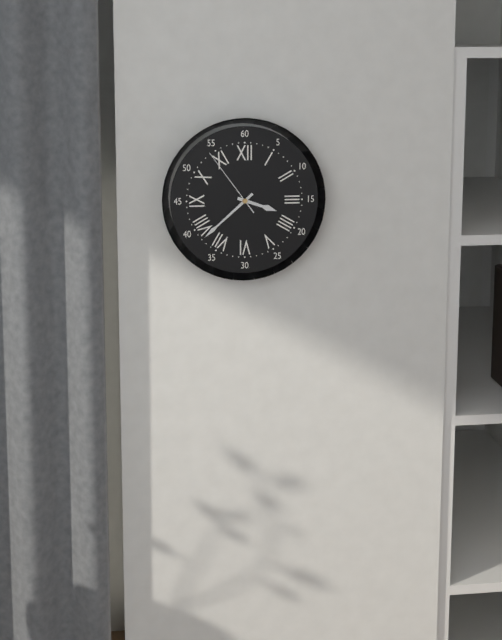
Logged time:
h=3 m=38 s=54
